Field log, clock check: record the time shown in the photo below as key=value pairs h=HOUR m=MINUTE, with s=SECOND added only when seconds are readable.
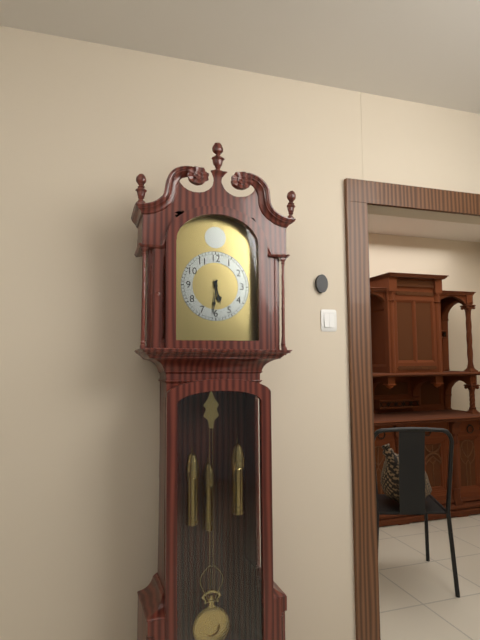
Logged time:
h=5 m=31
